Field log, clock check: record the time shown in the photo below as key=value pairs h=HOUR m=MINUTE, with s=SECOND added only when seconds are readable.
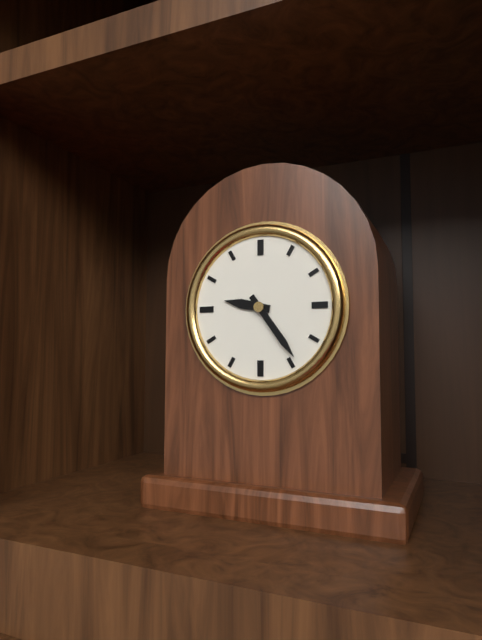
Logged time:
h=9 m=24
